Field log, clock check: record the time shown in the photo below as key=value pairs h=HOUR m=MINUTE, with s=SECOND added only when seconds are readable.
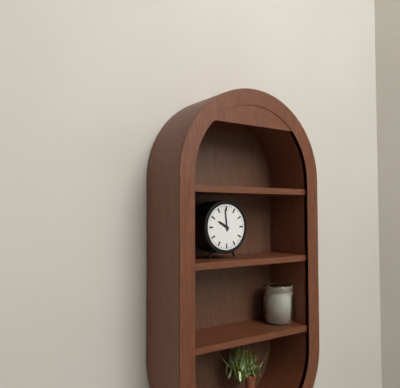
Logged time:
h=9 m=59
